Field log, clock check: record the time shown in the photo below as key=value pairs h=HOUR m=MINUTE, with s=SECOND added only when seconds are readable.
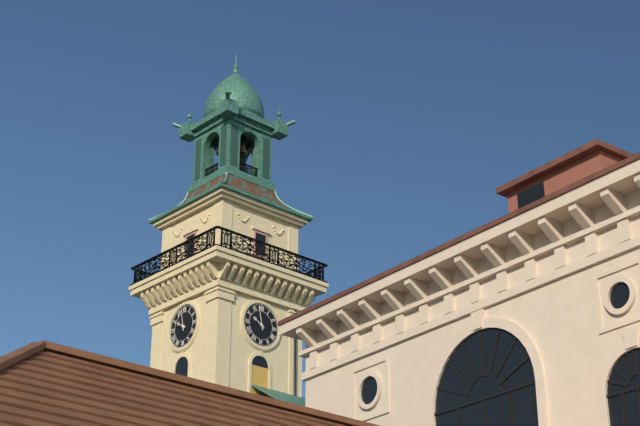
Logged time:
h=9 m=58
